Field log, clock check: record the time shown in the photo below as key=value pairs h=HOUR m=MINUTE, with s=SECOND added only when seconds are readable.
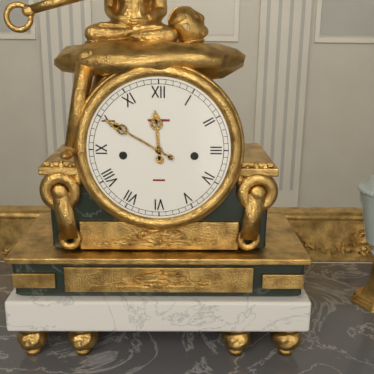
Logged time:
h=11 m=50
